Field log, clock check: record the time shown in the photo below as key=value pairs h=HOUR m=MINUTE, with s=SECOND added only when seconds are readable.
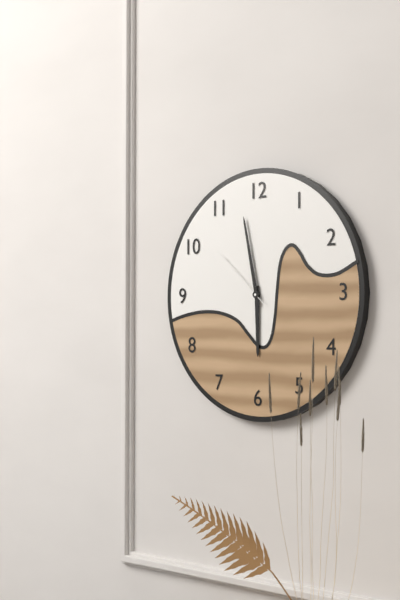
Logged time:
h=5 m=58 s=52
